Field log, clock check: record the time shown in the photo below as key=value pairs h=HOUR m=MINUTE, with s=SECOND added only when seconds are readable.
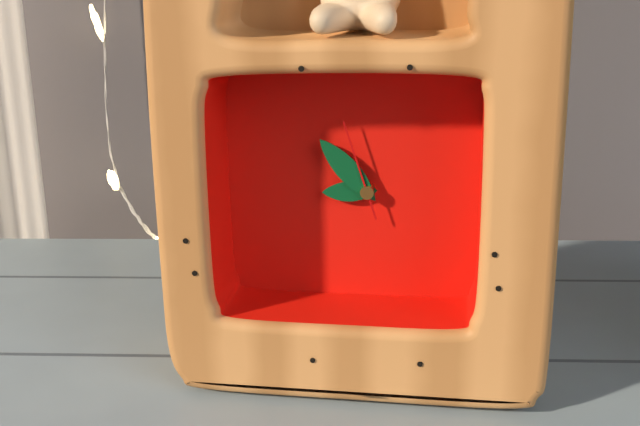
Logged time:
h=8 m=53 s=57
